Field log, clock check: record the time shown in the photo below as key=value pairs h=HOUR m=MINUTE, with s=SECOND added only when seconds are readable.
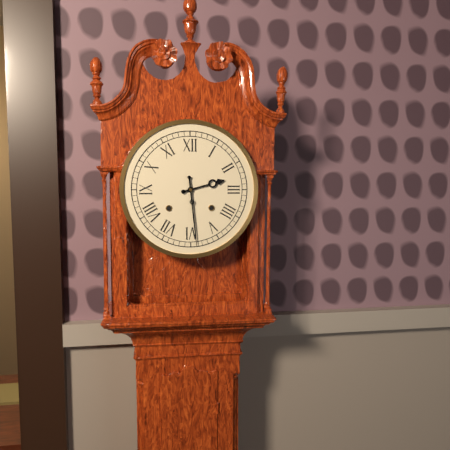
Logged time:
h=2 m=29
